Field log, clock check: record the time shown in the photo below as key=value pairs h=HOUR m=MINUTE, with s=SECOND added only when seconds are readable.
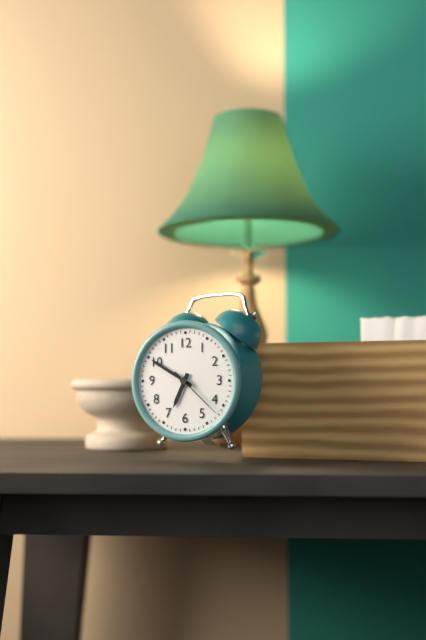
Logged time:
h=6 m=50 s=22
